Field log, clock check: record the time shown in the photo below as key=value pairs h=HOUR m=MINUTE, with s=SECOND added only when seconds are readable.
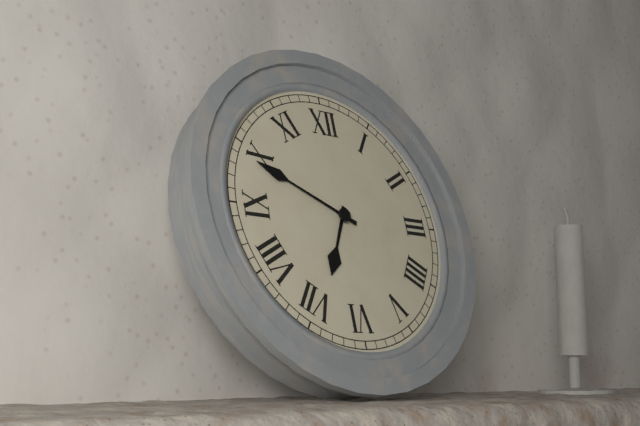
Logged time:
h=6 m=49
